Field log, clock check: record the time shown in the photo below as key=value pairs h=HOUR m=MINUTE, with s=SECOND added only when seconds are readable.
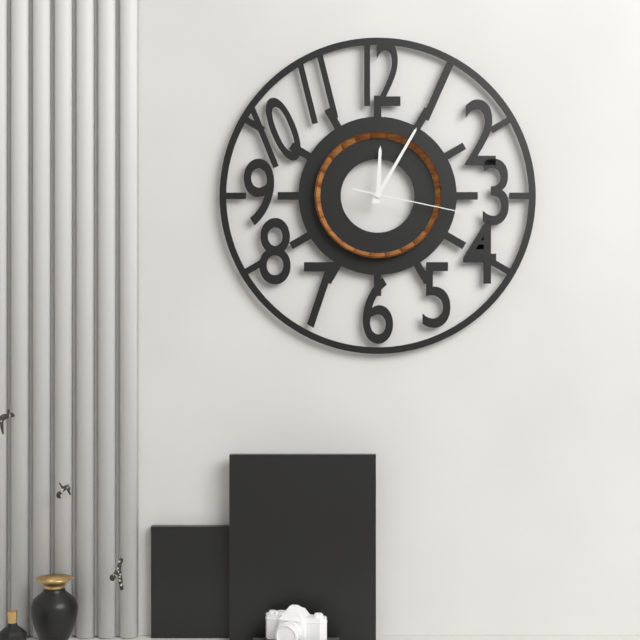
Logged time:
h=12 m=5 s=17
